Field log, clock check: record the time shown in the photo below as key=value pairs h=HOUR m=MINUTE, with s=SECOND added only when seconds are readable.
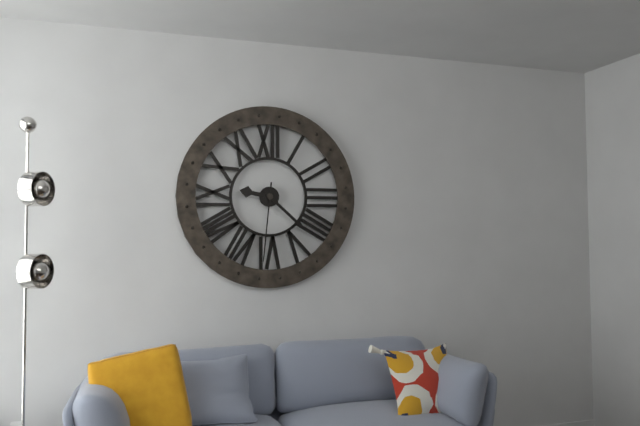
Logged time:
h=9 m=22 s=31
